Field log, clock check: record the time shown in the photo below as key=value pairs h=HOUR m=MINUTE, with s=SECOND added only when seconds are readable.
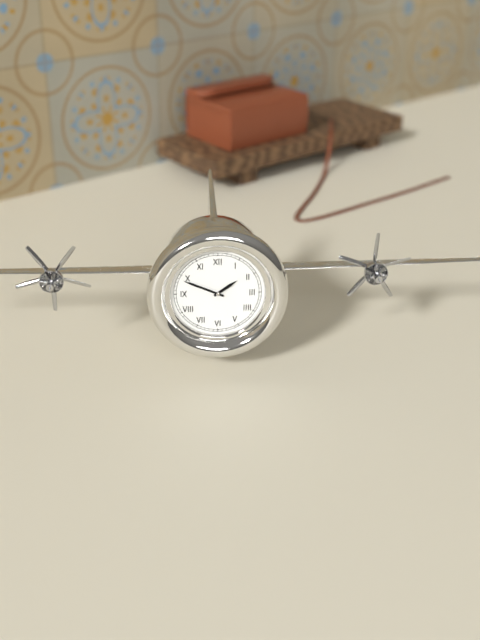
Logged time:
h=1 m=49
